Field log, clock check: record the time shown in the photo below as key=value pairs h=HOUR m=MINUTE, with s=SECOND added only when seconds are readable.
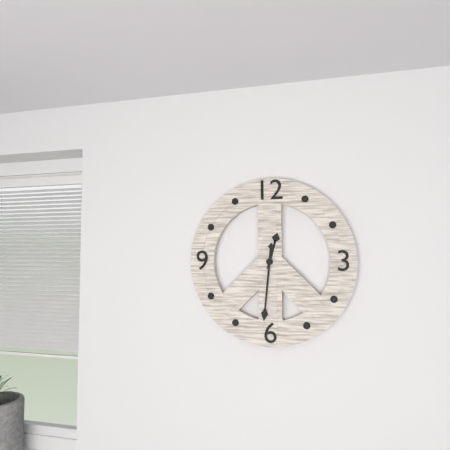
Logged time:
h=12 m=31
